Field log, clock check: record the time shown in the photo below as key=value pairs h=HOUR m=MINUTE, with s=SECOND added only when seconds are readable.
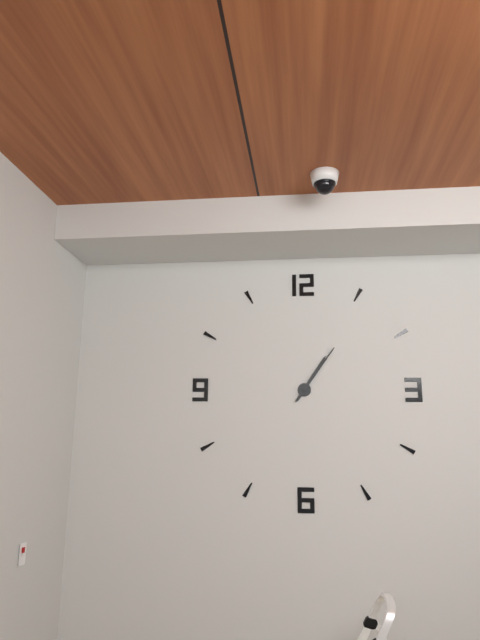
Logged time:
h=1 m=6
